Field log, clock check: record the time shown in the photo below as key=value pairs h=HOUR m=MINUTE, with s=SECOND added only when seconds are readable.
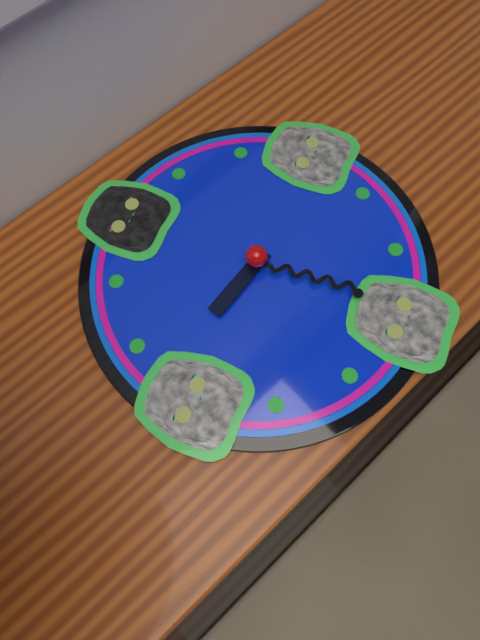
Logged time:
h=9 m=29
